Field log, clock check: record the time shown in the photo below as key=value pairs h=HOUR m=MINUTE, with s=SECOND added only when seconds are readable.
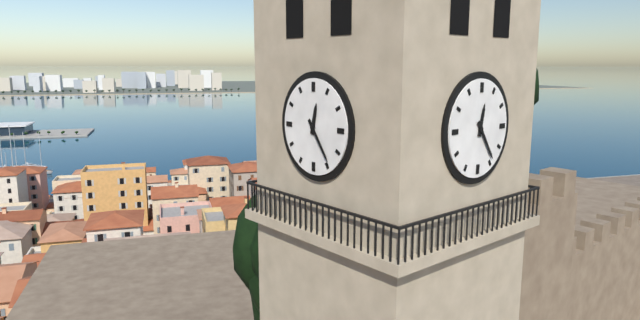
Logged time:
h=12 m=24
